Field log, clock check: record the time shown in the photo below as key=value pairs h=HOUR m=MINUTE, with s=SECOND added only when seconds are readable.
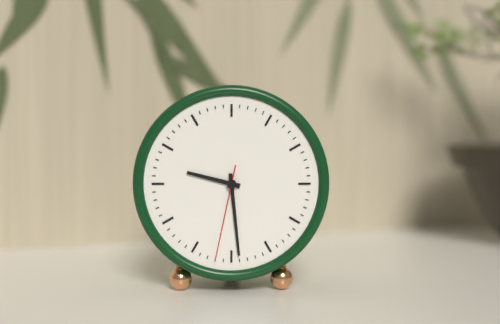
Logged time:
h=9 m=29 s=32
